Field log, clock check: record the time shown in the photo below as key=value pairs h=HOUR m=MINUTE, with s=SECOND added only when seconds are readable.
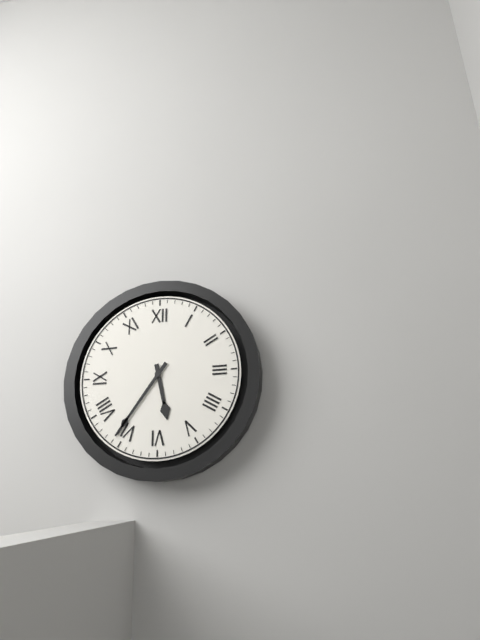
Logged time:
h=5 m=36
